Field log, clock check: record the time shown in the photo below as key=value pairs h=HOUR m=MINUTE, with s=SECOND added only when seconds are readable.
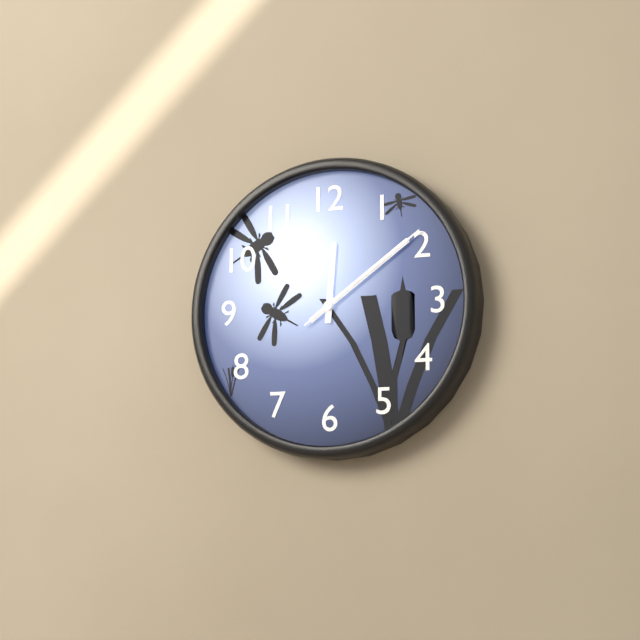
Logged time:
h=12 m=9 s=9
